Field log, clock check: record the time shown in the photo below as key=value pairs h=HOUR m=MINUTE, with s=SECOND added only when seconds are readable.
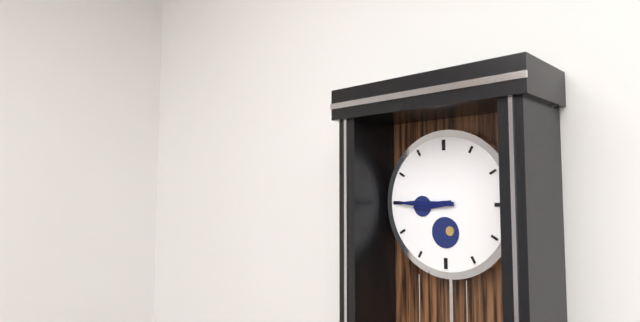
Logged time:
h=8 m=45
